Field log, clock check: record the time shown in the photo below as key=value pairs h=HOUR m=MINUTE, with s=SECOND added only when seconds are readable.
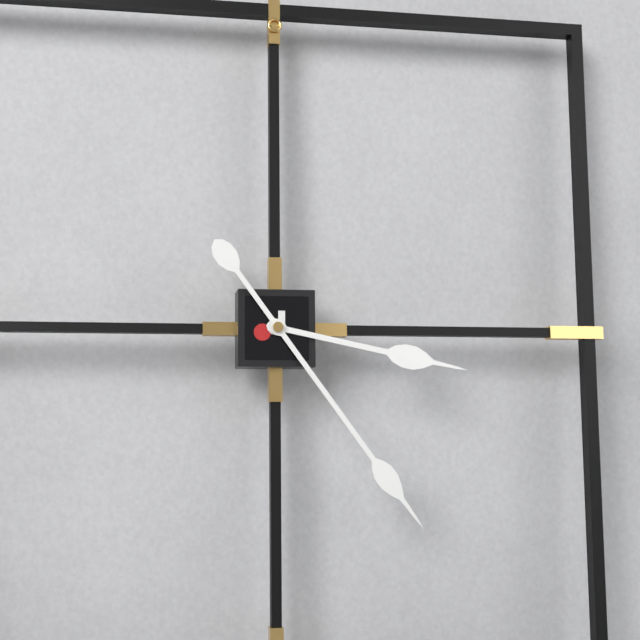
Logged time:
h=3 m=24
